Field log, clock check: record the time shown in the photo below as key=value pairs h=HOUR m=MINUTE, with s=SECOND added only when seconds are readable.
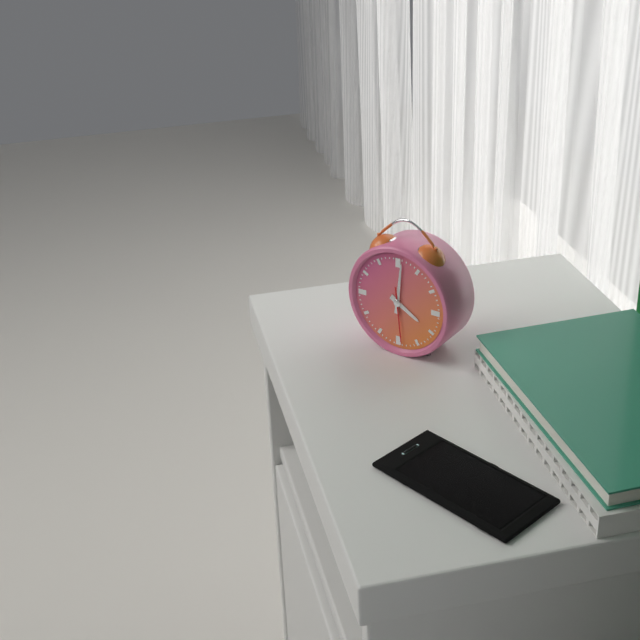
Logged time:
h=4 m=1 s=29
